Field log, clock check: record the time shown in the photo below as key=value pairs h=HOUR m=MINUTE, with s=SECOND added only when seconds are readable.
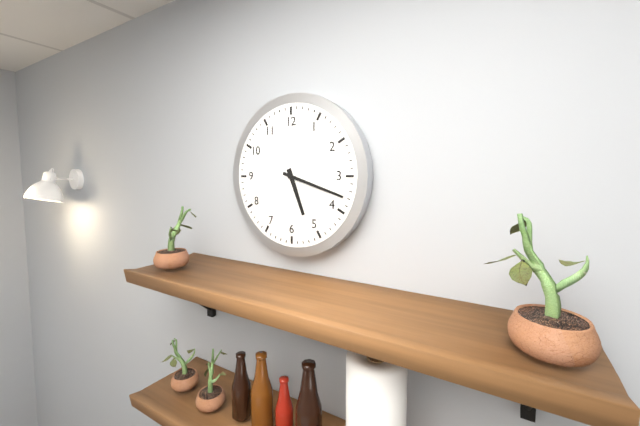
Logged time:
h=5 m=18
